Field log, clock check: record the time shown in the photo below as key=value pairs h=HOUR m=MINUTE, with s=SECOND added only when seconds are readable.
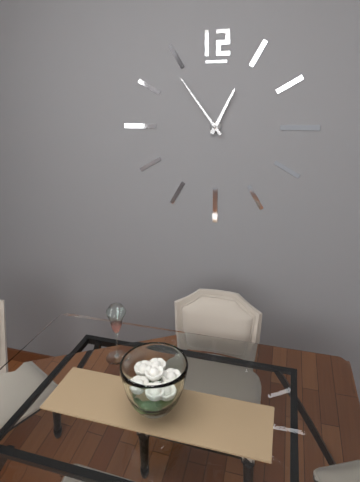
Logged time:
h=12 m=54
